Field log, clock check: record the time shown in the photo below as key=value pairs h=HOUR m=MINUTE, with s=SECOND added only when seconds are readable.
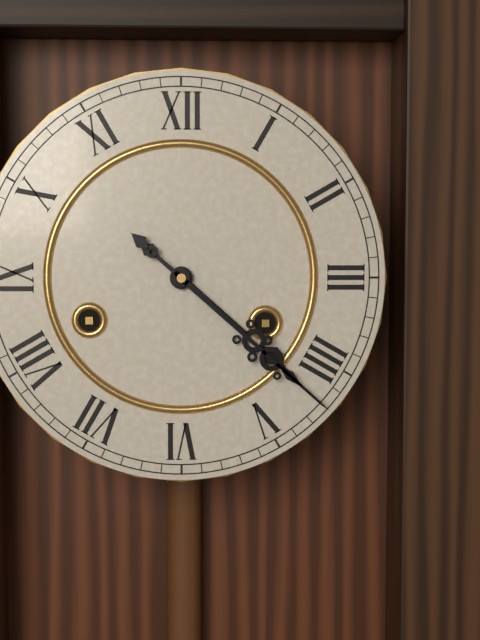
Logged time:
h=4 m=22
